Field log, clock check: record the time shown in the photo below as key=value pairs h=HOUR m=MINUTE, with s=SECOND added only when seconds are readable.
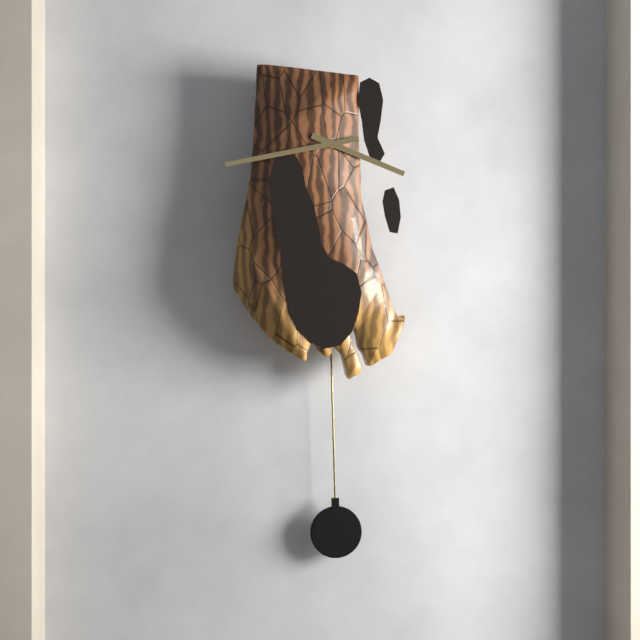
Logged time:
h=3 m=43
